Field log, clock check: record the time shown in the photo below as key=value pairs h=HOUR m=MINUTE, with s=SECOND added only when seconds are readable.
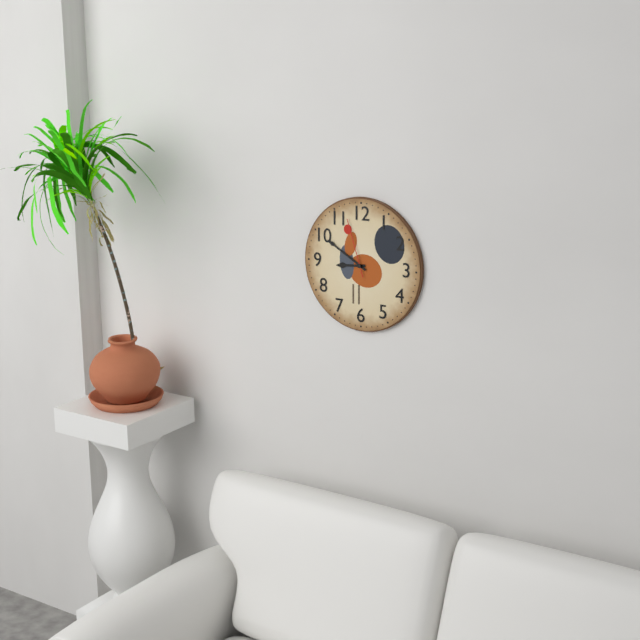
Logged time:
h=8 m=50 s=57
